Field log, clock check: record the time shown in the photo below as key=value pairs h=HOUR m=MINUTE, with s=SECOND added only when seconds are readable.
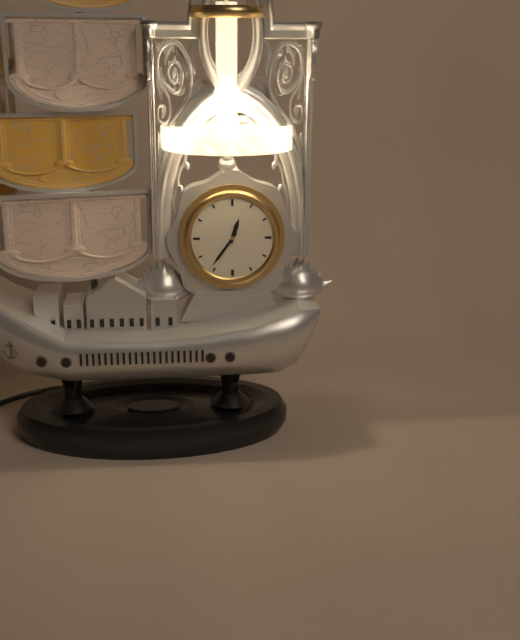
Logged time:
h=12 m=36
